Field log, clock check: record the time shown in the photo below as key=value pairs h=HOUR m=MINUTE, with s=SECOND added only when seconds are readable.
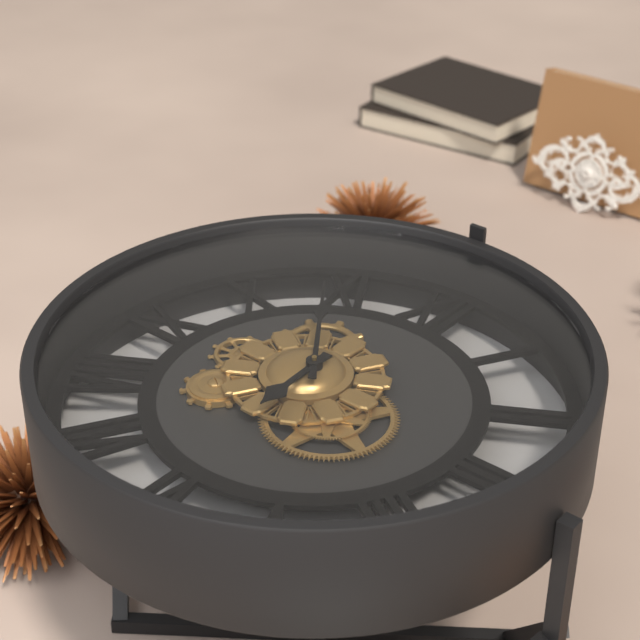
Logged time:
h=5 m=54
